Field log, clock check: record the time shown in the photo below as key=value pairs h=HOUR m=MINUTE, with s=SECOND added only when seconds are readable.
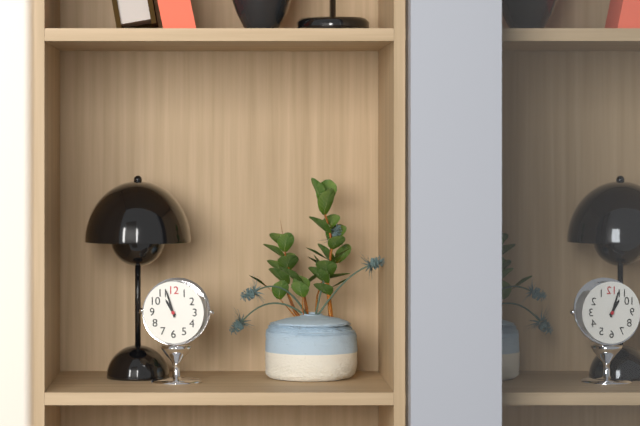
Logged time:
h=10 m=57
